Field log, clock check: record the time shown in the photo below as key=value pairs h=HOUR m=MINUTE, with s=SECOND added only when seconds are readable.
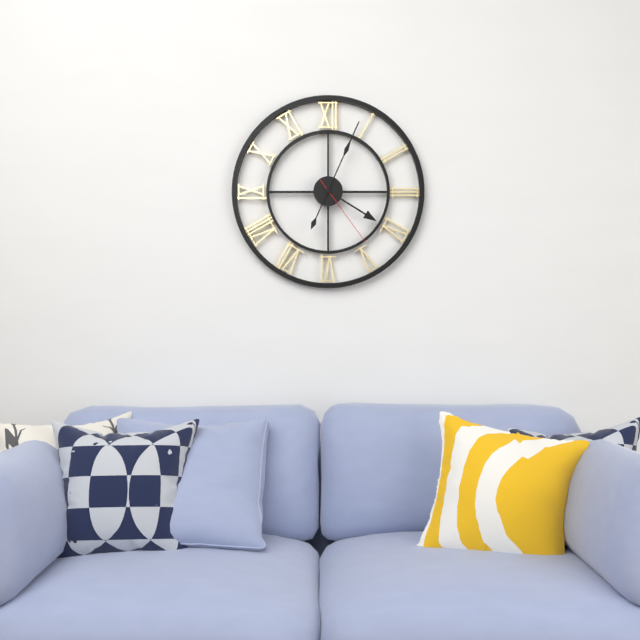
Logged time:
h=4 m=4 s=24
